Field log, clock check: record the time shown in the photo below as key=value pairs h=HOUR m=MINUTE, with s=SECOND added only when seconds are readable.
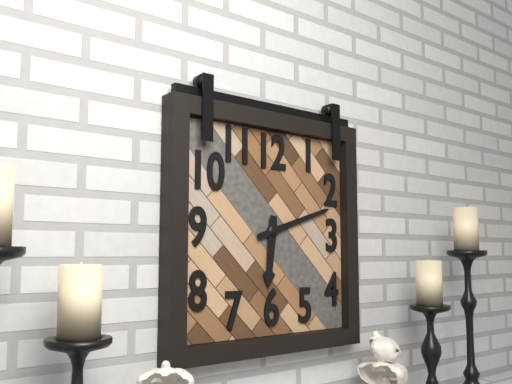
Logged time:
h=6 m=12
